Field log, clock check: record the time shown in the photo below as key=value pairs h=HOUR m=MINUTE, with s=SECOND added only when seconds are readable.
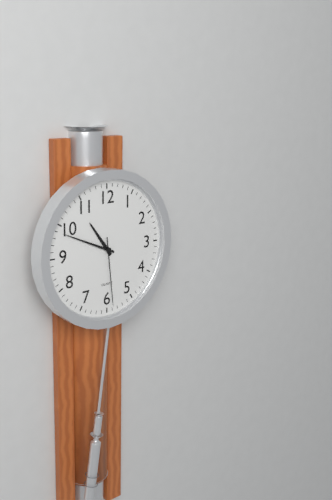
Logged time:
h=10 m=49 s=29
